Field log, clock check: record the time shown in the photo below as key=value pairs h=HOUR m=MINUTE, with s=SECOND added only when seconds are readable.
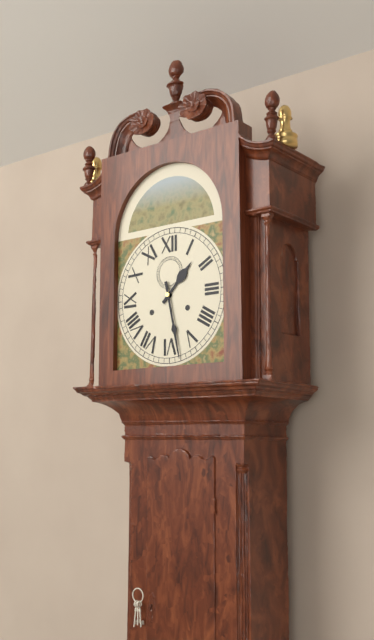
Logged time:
h=1 m=28
